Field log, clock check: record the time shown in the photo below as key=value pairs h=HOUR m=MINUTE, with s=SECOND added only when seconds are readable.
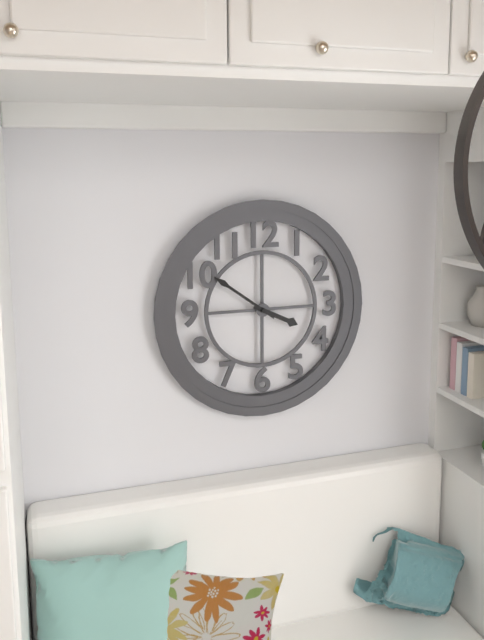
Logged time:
h=3 m=51
